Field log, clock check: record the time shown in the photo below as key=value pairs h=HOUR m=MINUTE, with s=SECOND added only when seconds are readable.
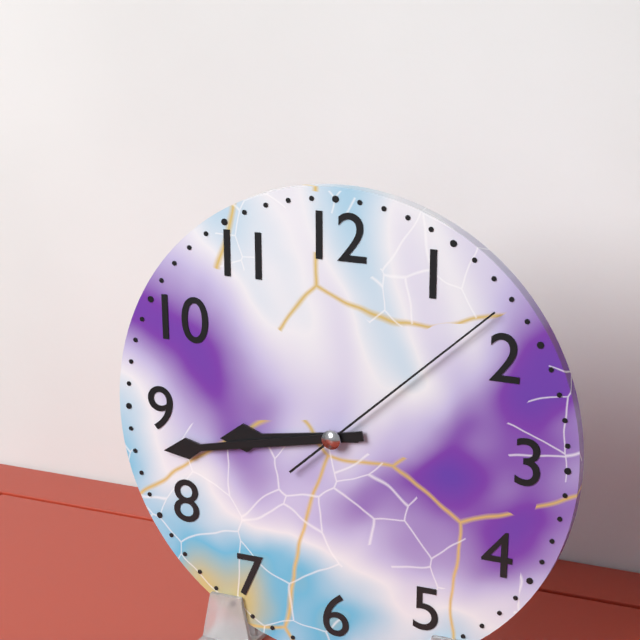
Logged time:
h=8 m=43 s=8
